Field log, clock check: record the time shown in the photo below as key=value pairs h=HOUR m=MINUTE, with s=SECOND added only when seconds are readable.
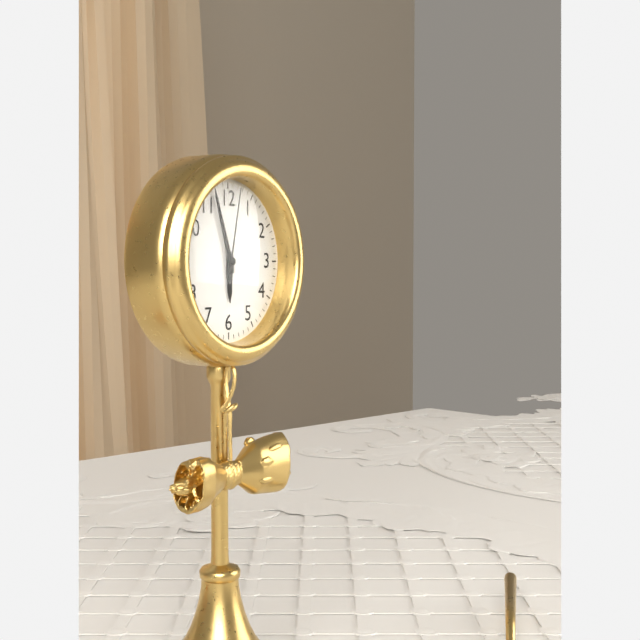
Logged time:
h=5 m=57 s=2
